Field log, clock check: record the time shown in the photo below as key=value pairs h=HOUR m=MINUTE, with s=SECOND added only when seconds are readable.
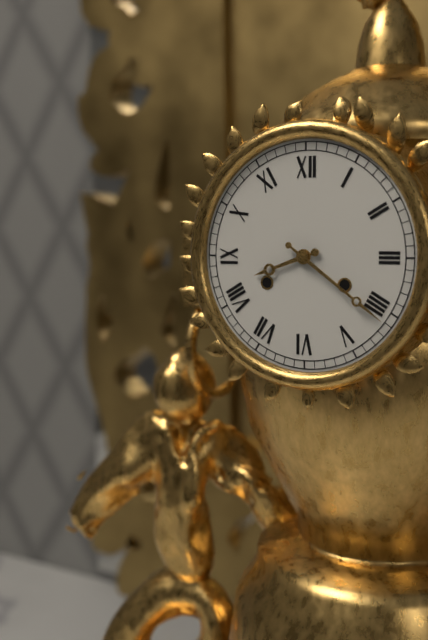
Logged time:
h=8 m=21
